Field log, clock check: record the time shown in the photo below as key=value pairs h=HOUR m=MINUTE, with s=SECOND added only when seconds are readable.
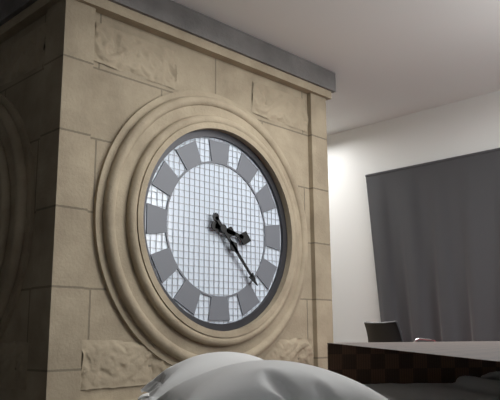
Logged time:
h=3 m=23
